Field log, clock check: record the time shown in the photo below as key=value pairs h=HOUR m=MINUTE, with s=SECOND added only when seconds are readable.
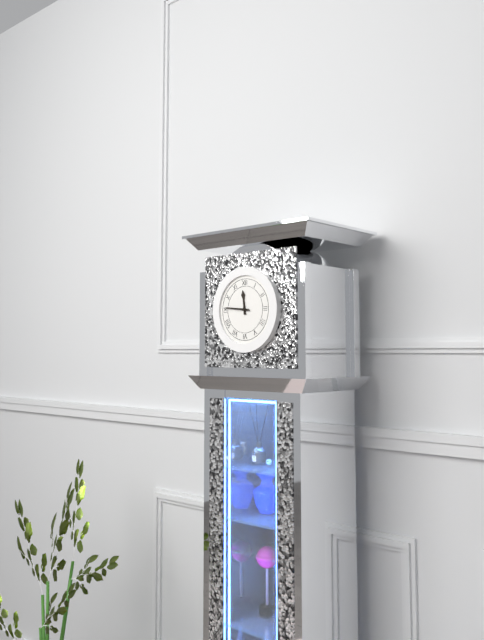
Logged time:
h=11 m=46
